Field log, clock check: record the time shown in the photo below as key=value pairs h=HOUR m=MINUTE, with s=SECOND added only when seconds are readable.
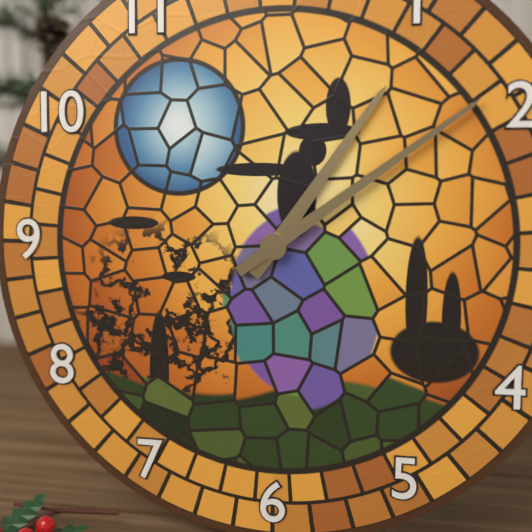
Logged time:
h=1 m=9
